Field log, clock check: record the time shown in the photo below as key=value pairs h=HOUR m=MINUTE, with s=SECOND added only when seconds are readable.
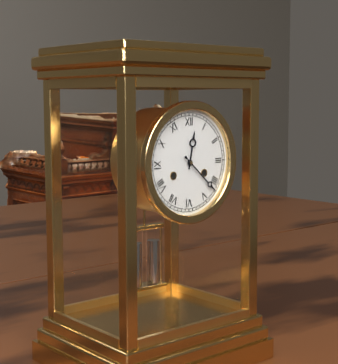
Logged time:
h=12 m=22
